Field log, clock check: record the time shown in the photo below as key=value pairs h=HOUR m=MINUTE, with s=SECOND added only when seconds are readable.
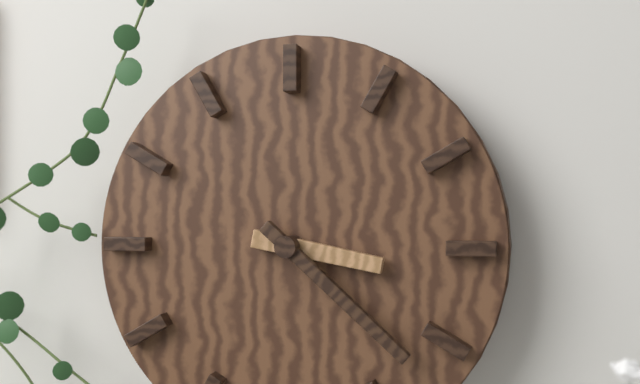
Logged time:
h=3 m=22
